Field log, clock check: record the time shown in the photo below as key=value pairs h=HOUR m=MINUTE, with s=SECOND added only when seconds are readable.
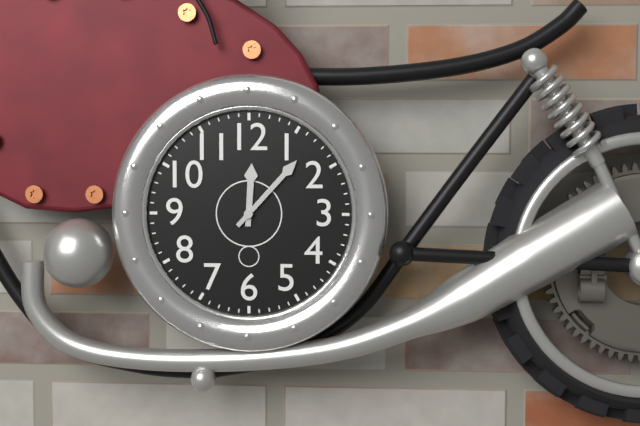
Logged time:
h=12 m=7
